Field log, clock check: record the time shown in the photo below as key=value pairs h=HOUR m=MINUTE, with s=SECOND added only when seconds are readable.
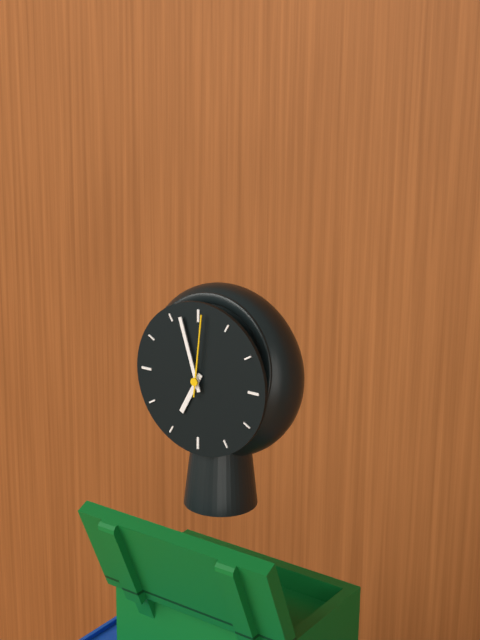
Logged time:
h=6 m=57 s=1
